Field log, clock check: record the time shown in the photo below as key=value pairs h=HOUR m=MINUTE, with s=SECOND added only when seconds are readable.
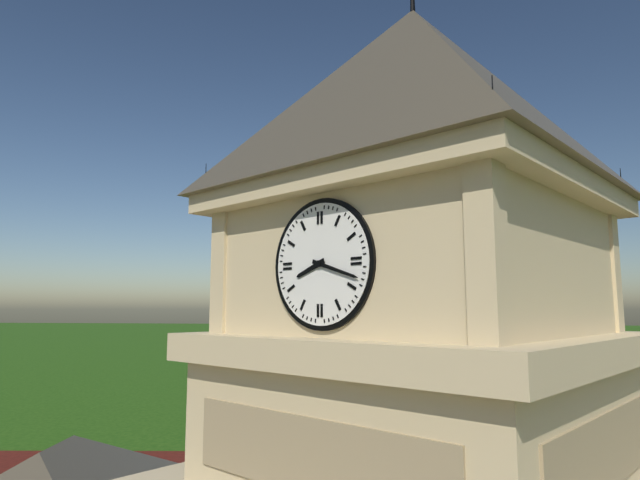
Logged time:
h=8 m=18
